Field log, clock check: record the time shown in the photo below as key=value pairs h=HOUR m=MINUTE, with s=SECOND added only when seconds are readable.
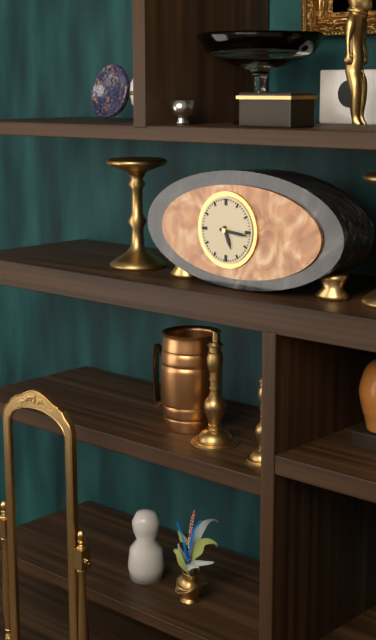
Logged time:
h=5 m=16
